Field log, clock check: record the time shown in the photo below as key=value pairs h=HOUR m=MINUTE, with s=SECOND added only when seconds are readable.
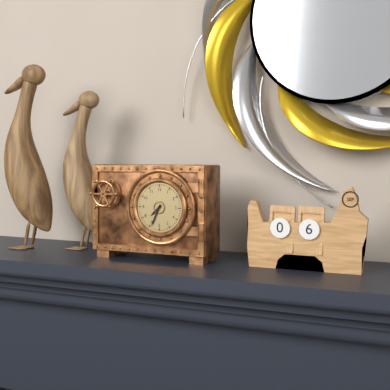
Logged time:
h=7 m=34
